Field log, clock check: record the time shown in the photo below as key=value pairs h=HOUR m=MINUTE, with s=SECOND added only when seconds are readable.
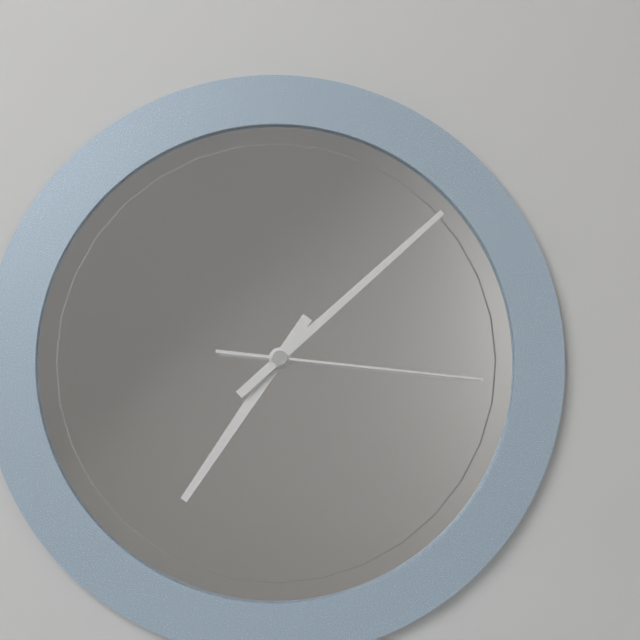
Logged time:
h=7 m=8 s=16
